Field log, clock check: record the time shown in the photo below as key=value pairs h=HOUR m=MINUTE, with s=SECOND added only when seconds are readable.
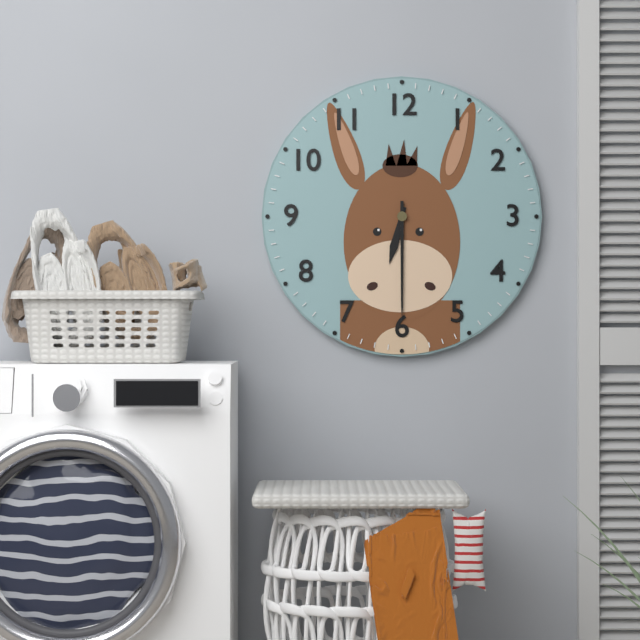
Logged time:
h=6 m=30
